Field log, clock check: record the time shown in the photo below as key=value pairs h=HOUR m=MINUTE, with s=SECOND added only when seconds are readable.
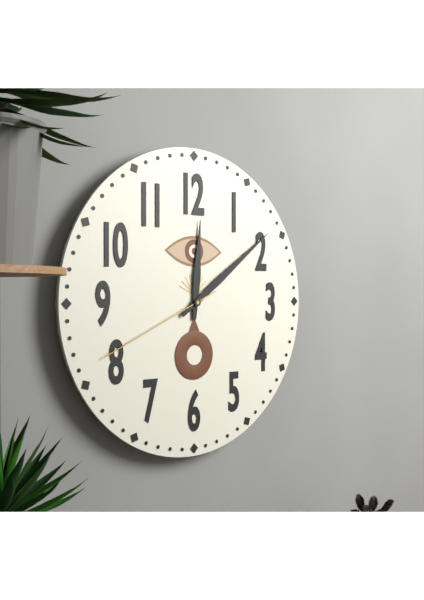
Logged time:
h=12 m=9 s=41
